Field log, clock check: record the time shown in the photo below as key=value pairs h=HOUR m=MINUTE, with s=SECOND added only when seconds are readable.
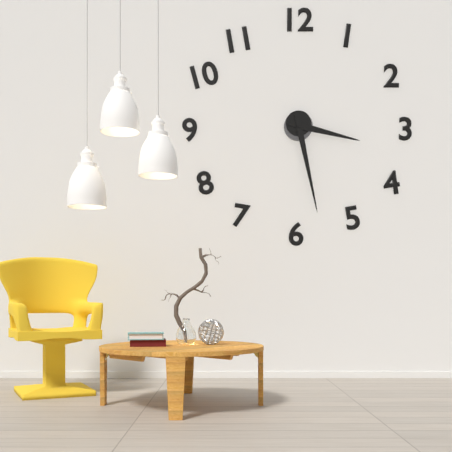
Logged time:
h=3 m=28
